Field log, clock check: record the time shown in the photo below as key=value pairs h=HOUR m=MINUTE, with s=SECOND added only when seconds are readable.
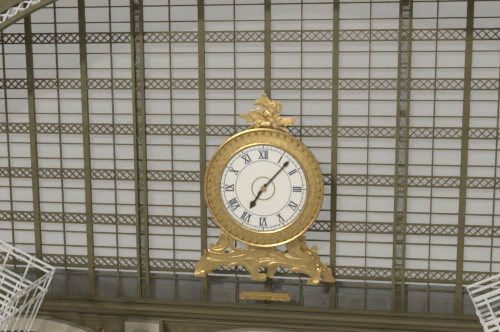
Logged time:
h=7 m=7
